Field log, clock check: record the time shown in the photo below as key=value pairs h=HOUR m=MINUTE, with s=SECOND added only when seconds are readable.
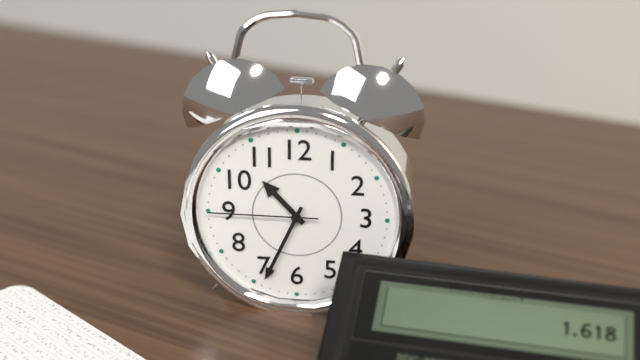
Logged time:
h=10 m=34 s=45
